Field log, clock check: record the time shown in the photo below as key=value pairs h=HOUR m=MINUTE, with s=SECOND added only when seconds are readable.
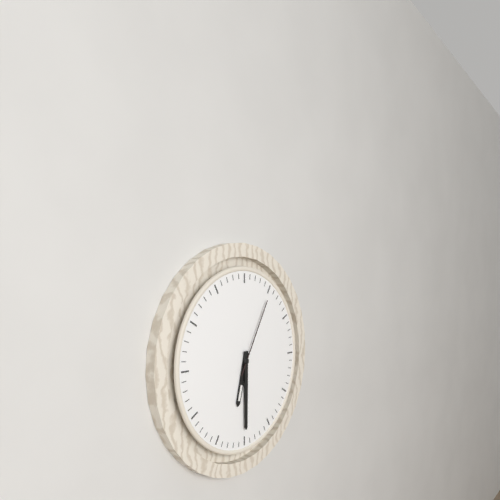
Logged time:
h=6 m=30 s=5
